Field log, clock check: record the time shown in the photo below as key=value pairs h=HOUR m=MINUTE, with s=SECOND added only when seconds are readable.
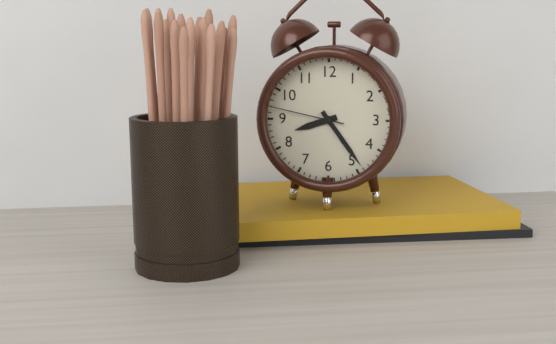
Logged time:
h=8 m=24 s=47
